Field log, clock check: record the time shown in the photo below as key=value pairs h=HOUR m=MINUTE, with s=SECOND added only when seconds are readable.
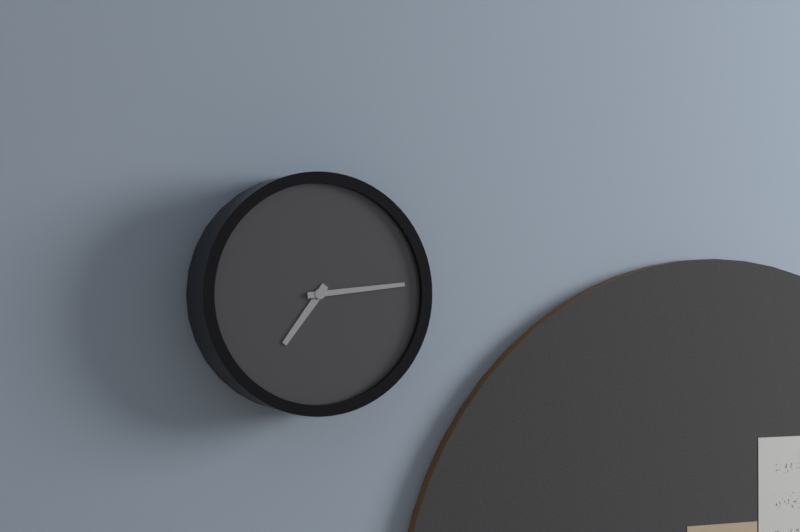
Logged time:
h=7 m=14
